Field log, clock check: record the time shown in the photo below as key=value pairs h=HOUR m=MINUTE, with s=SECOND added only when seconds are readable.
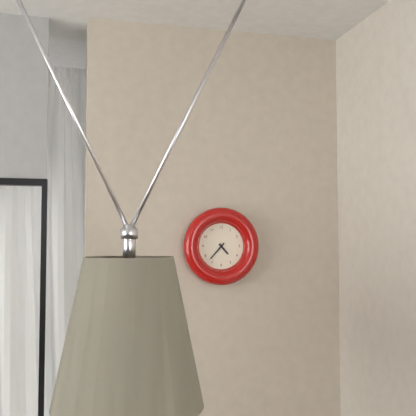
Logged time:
h=4 m=37
